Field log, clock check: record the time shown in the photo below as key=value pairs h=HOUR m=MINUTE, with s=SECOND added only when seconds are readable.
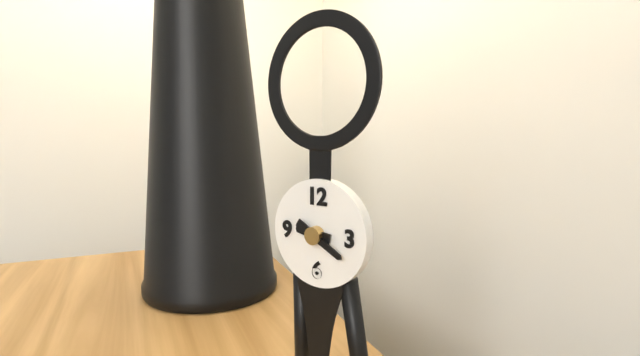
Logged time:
h=9 m=20
